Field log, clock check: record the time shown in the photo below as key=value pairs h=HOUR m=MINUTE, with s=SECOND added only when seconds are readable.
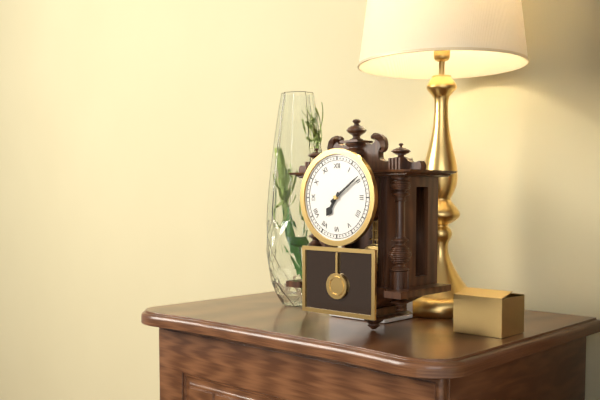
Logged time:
h=7 m=9
